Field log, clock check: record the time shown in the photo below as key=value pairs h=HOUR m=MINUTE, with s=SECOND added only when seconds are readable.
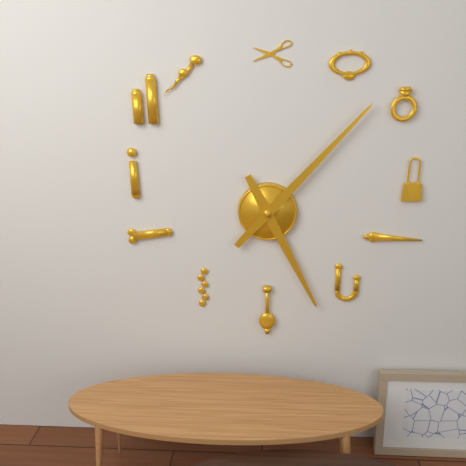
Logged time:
h=5 m=7
